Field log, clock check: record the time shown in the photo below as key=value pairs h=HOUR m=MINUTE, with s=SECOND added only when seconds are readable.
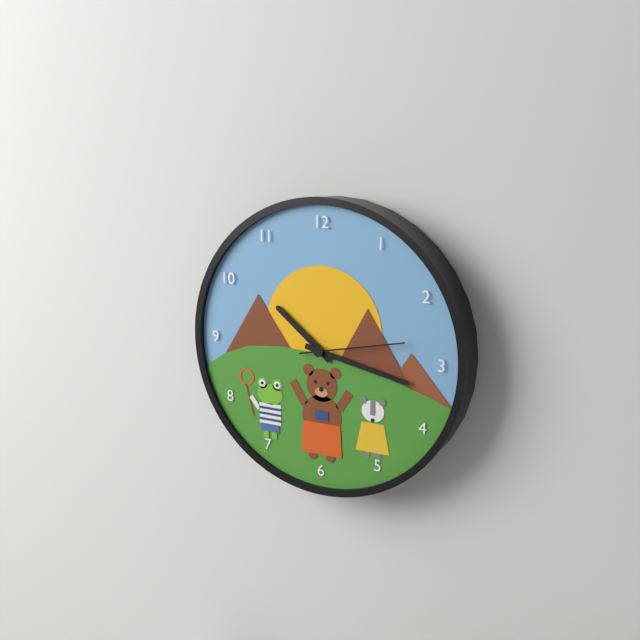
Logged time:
h=10 m=17 s=13
